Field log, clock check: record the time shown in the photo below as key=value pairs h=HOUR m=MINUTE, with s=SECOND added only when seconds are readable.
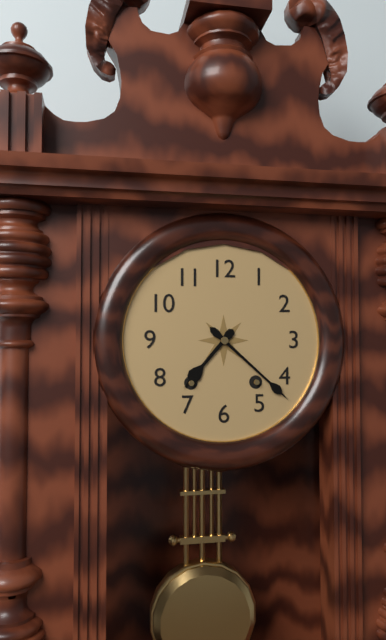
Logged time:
h=7 m=22
